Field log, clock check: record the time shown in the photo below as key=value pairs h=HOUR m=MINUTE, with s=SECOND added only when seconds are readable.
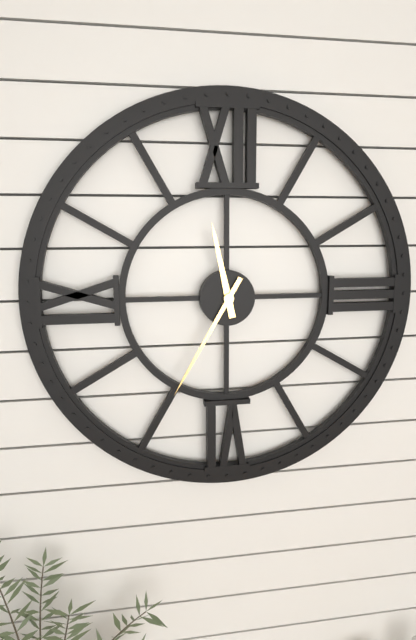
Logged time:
h=11 m=35
